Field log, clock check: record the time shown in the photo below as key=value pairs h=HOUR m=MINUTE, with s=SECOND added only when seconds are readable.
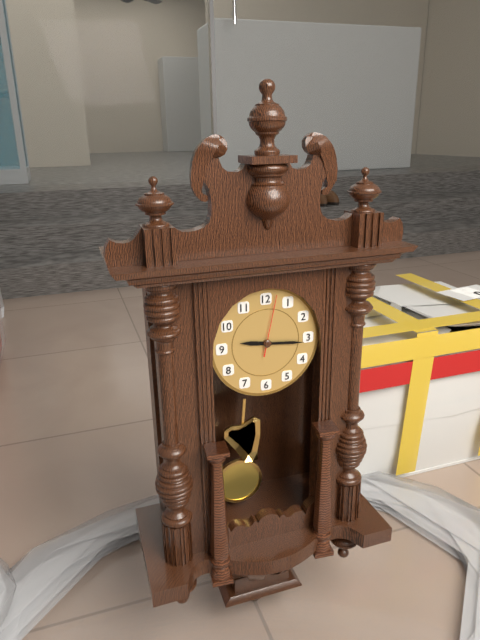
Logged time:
h=9 m=16 s=2
